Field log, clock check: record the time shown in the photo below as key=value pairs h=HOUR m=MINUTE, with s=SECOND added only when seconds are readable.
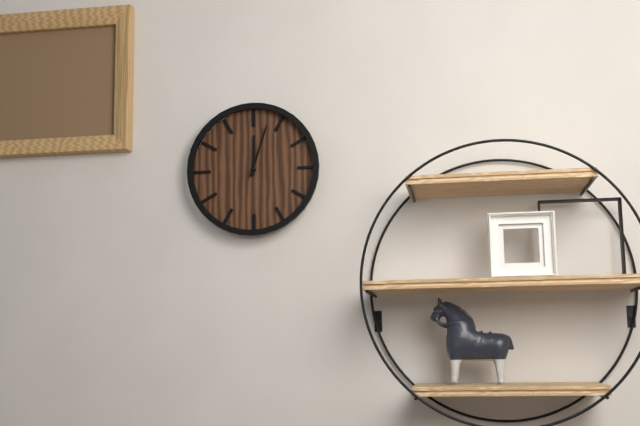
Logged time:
h=12 m=3
